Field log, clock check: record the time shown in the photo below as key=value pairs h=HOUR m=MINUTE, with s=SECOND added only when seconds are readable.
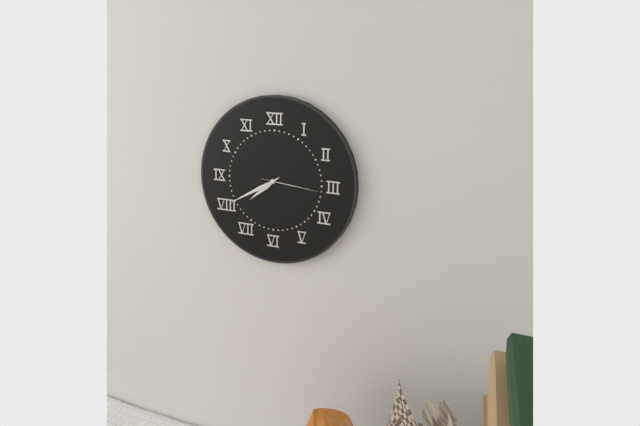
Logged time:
h=7 m=40 s=16
